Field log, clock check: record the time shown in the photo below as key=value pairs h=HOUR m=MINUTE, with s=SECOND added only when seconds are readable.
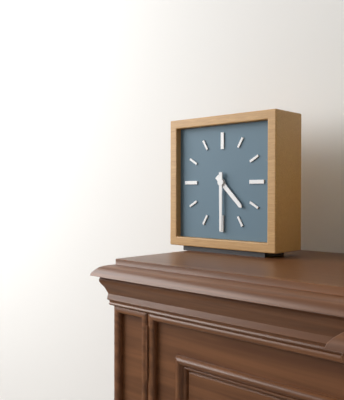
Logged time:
h=4 m=30
